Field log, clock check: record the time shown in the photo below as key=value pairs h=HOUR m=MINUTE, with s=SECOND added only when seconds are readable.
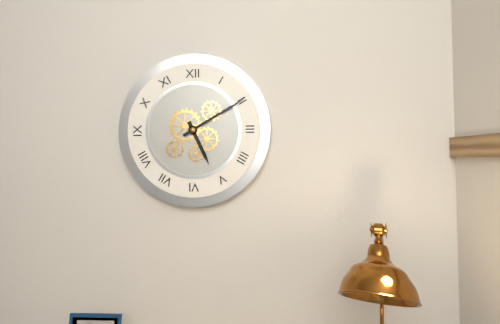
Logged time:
h=5 m=10
